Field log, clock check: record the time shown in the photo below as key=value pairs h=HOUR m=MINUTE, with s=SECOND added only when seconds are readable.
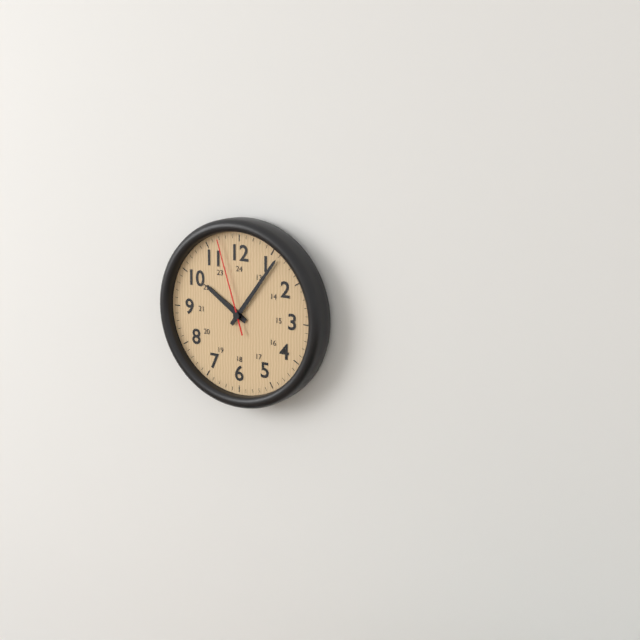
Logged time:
h=10 m=6 s=57
